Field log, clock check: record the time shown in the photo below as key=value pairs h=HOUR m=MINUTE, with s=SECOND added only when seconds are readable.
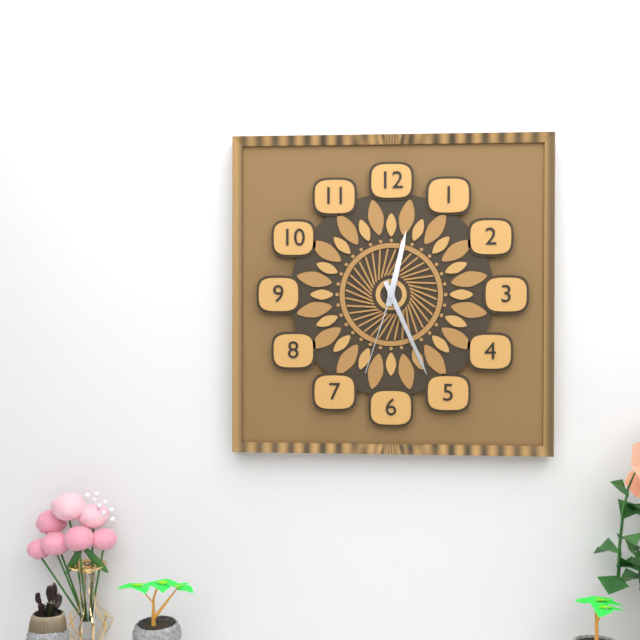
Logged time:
h=12 m=26 s=33
